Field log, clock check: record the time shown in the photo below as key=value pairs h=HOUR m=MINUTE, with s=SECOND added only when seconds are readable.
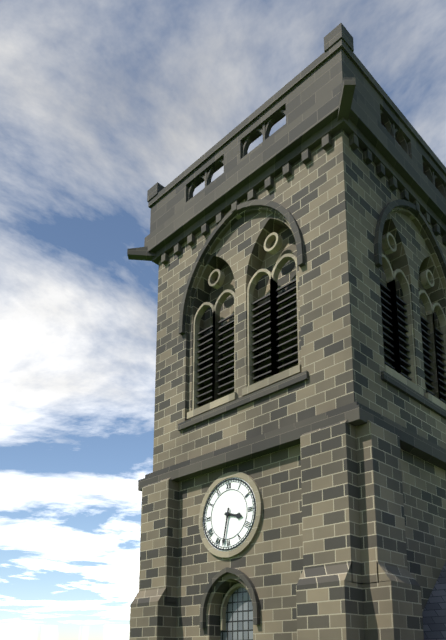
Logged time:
h=3 m=32
